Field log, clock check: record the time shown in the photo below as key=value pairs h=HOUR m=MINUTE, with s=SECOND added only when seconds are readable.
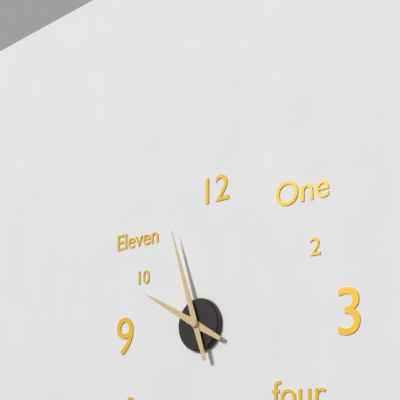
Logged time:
h=9 m=57
